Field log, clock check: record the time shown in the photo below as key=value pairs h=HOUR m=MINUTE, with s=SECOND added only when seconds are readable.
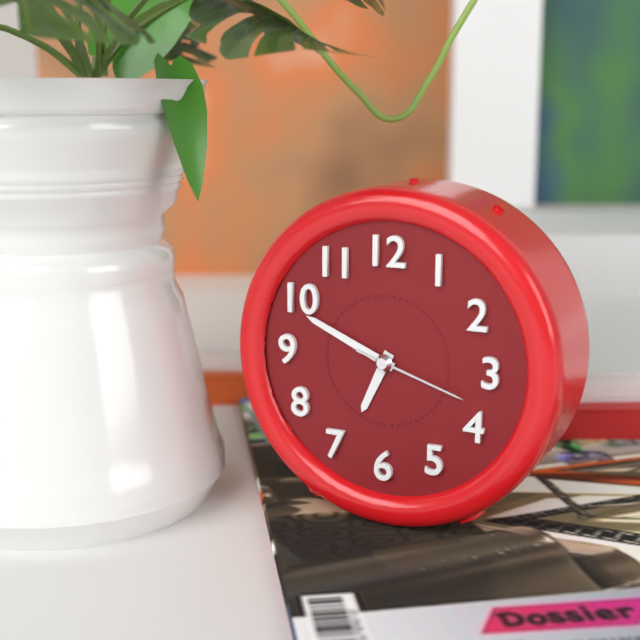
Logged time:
h=6 m=49 s=18
